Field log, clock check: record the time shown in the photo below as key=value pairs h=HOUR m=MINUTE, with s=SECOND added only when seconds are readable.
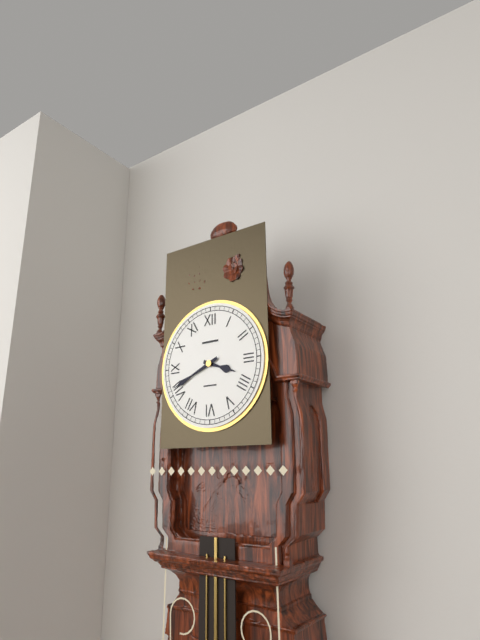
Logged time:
h=3 m=41
